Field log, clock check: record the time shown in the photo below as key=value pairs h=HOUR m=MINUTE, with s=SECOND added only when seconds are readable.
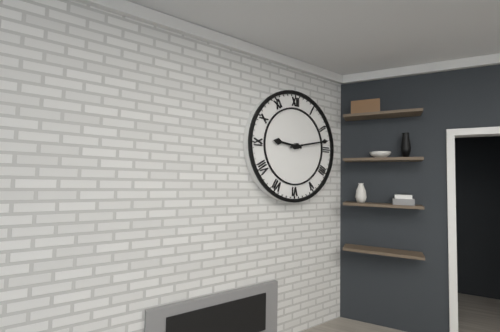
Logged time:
h=9 m=13
